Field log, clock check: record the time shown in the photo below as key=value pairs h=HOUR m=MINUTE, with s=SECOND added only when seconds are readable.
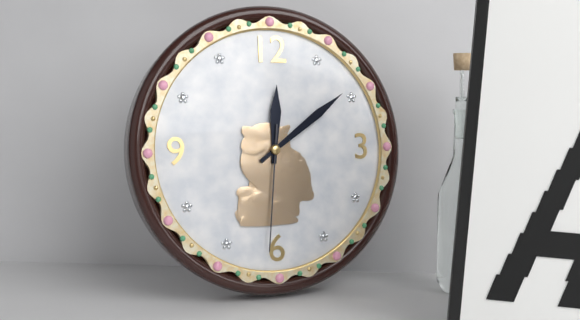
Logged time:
h=12 m=9 s=31
